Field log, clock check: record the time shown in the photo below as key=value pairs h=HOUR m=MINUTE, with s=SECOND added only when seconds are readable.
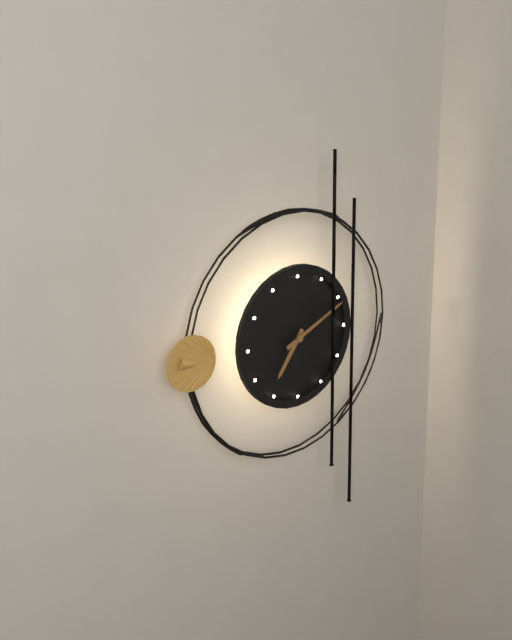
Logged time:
h=7 m=11
